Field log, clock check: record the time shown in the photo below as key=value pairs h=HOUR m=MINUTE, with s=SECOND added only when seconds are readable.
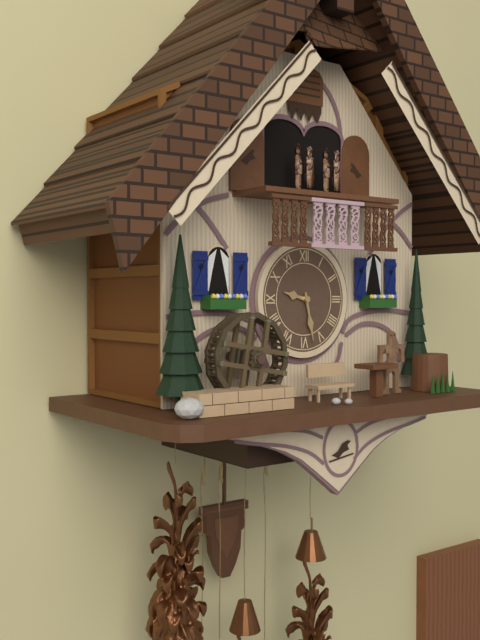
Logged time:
h=9 m=28
